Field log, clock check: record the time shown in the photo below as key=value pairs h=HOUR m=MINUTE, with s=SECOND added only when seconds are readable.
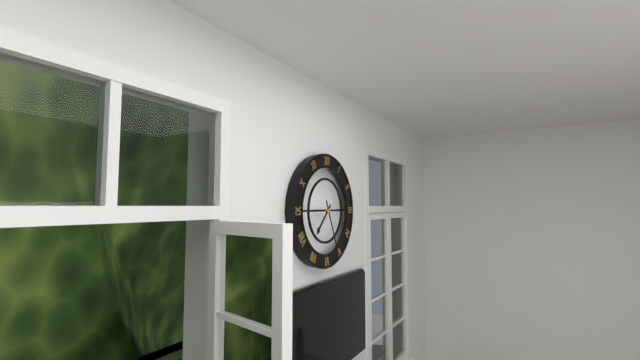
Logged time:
h=7 m=26
